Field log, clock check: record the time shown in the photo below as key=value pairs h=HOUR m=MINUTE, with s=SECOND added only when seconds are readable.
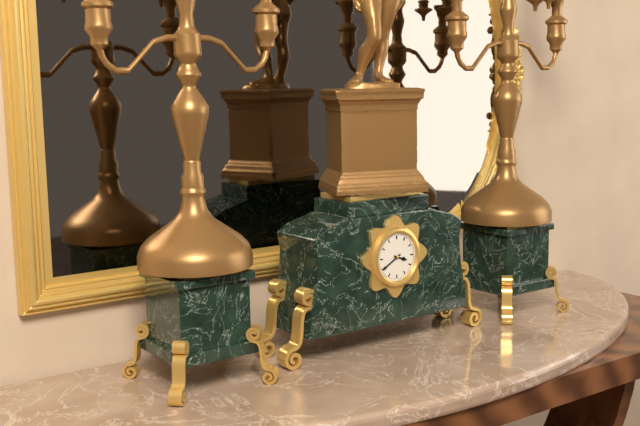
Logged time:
h=3 m=40
